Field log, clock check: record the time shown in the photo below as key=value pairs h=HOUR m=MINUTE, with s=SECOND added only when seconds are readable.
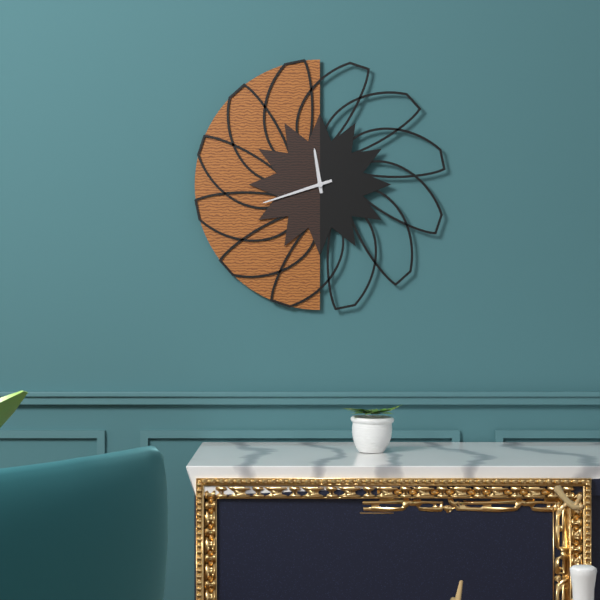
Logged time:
h=11 m=42
